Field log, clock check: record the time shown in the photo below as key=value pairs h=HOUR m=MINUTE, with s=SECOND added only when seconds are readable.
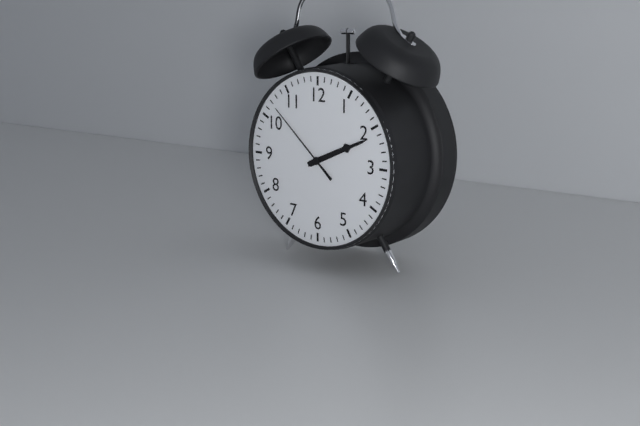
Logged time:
h=2 m=11 s=52
